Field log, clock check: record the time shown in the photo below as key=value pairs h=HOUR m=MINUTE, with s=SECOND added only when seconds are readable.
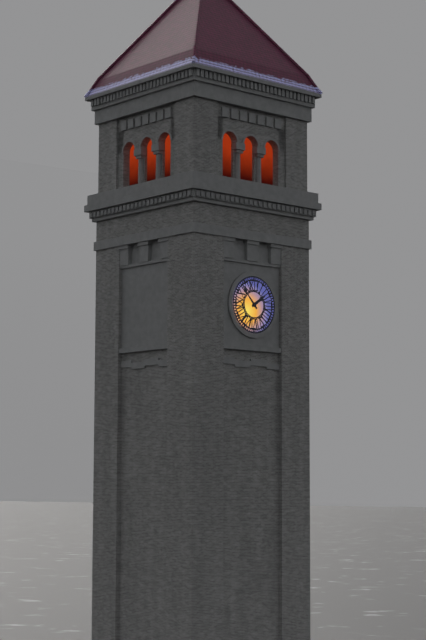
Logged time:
h=1 m=53
